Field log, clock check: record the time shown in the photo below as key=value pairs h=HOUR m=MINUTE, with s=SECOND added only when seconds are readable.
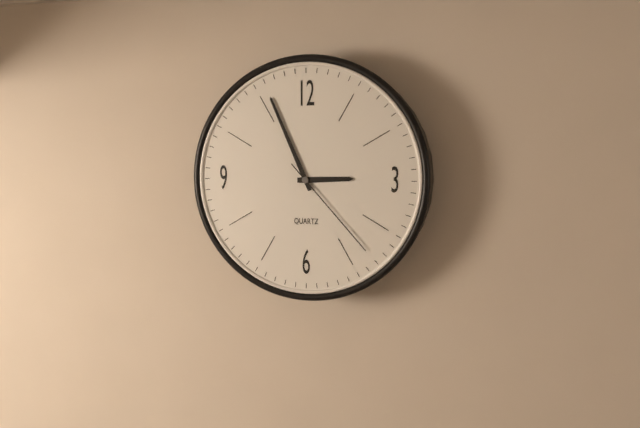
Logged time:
h=2 m=56 s=23
